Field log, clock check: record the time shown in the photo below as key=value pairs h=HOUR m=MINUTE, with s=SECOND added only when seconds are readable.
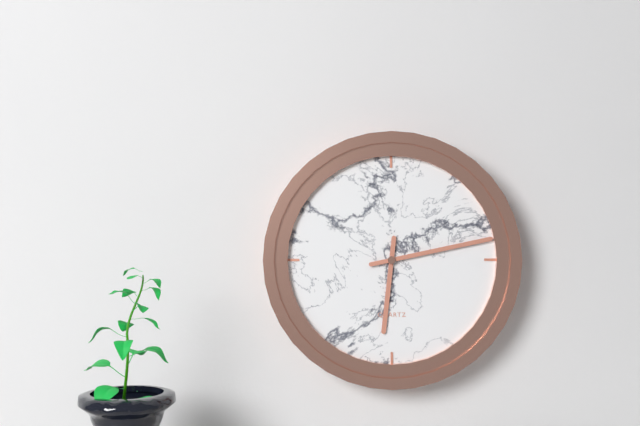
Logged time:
h=6 m=13
